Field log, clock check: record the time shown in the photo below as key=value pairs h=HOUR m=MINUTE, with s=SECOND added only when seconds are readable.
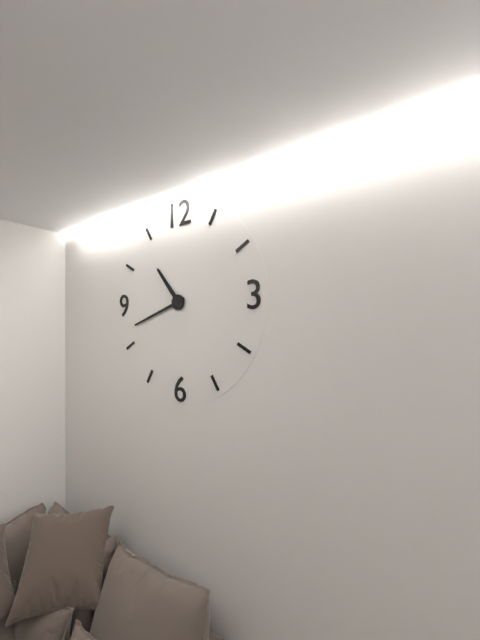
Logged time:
h=10 m=42
